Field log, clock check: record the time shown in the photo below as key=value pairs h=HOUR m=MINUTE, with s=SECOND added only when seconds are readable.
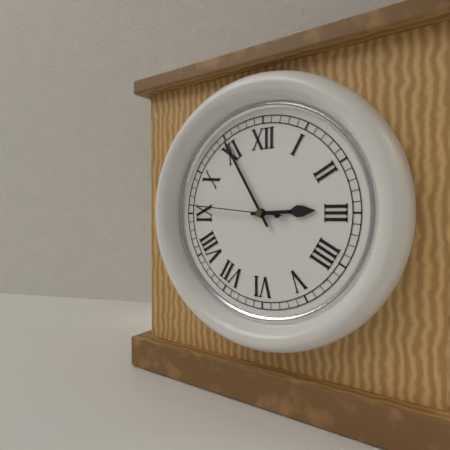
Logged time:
h=2 m=55 s=46
